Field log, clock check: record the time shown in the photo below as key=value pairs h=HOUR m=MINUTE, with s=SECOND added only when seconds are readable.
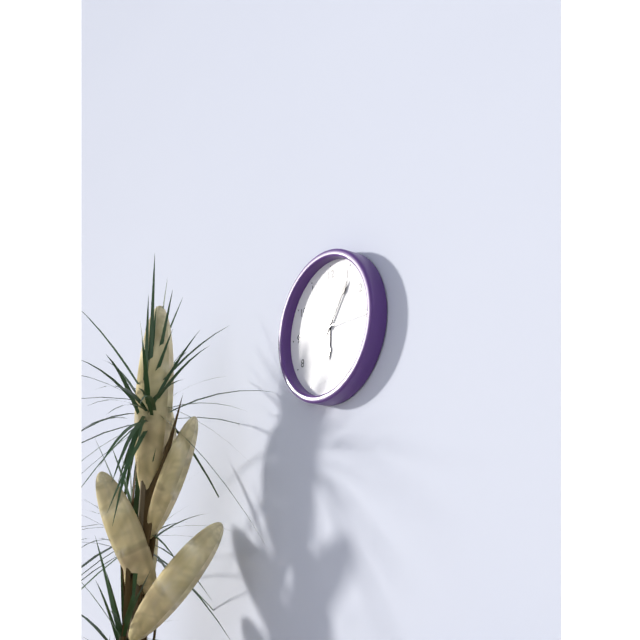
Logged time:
h=6 m=6 s=15
